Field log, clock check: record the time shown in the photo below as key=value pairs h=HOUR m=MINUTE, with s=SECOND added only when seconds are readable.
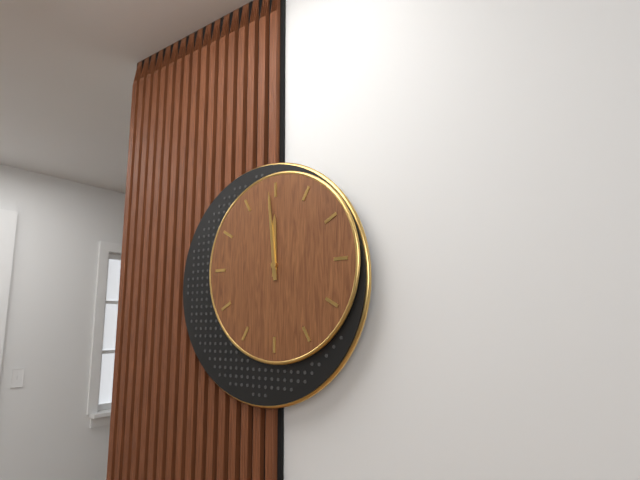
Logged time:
h=11 m=59
